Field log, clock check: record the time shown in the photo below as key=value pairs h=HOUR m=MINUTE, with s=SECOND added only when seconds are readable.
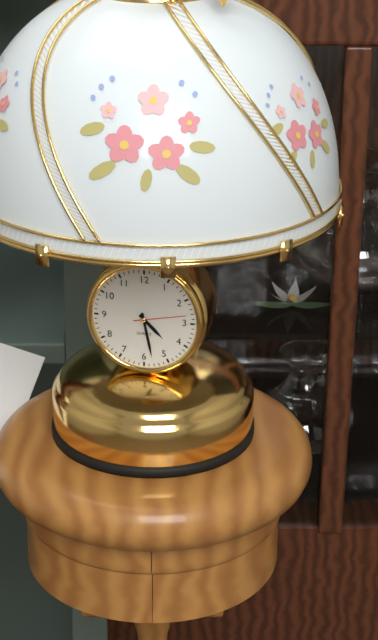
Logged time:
h=4 m=28 s=13
